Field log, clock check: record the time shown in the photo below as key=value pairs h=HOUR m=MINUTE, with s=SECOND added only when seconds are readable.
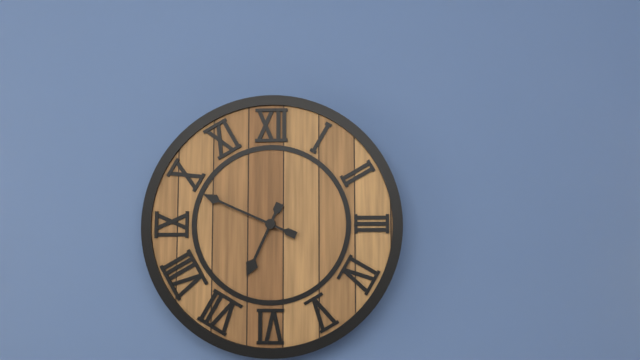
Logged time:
h=6 m=49
